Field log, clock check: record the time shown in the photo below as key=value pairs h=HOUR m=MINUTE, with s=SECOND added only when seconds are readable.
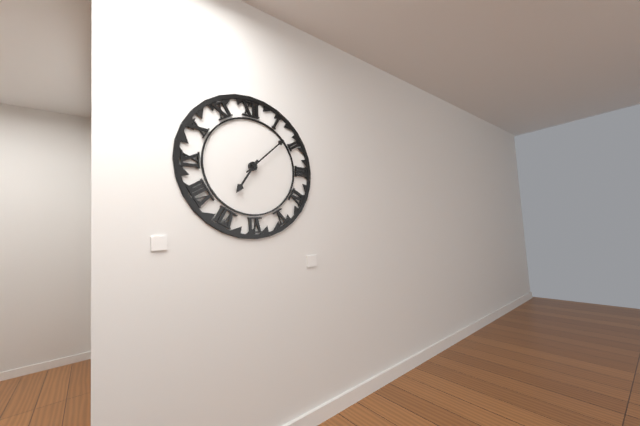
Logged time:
h=7 m=8
